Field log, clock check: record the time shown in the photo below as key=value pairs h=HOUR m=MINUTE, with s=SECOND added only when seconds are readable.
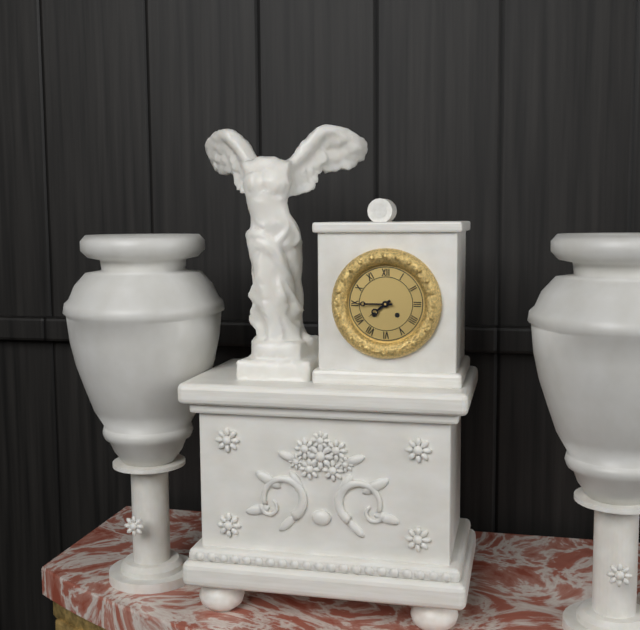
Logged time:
h=7 m=45
